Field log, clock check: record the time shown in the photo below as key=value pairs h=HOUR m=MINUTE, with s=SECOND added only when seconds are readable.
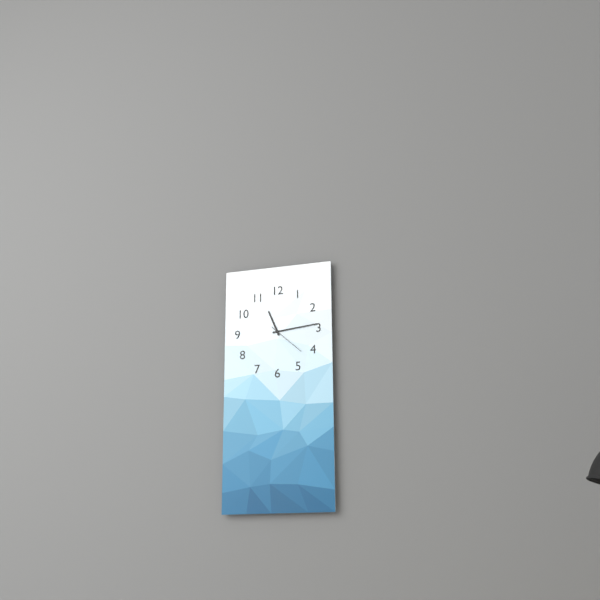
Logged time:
h=11 m=14
